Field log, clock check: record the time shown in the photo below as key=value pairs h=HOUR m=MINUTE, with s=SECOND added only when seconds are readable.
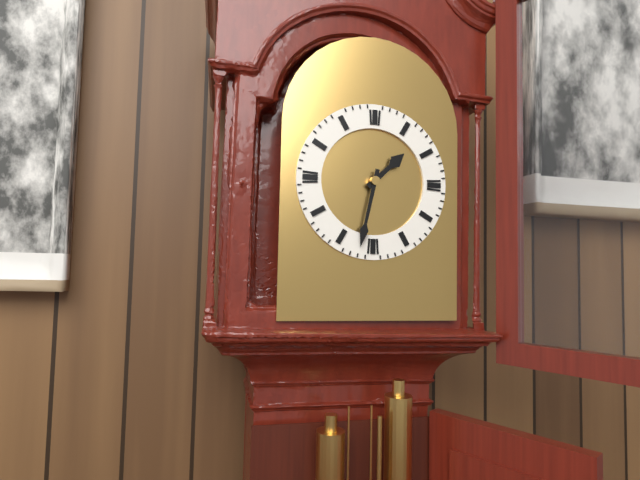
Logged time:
h=1 m=32
